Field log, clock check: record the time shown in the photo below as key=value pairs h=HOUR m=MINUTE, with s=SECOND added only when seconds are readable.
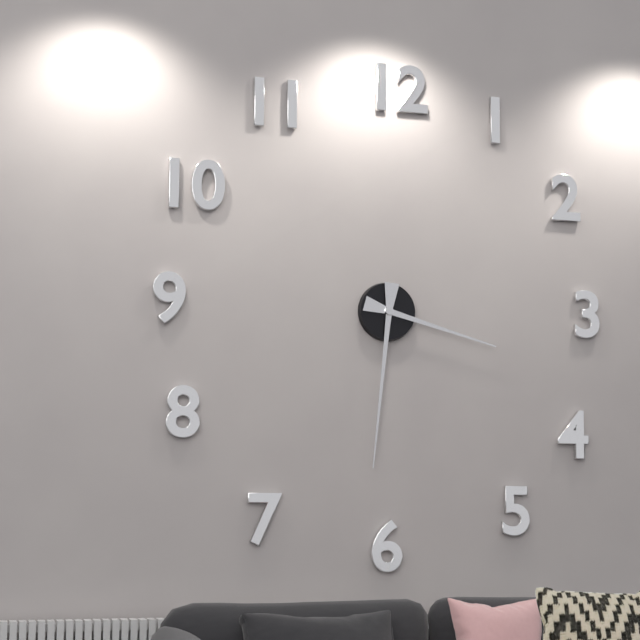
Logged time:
h=3 m=31
